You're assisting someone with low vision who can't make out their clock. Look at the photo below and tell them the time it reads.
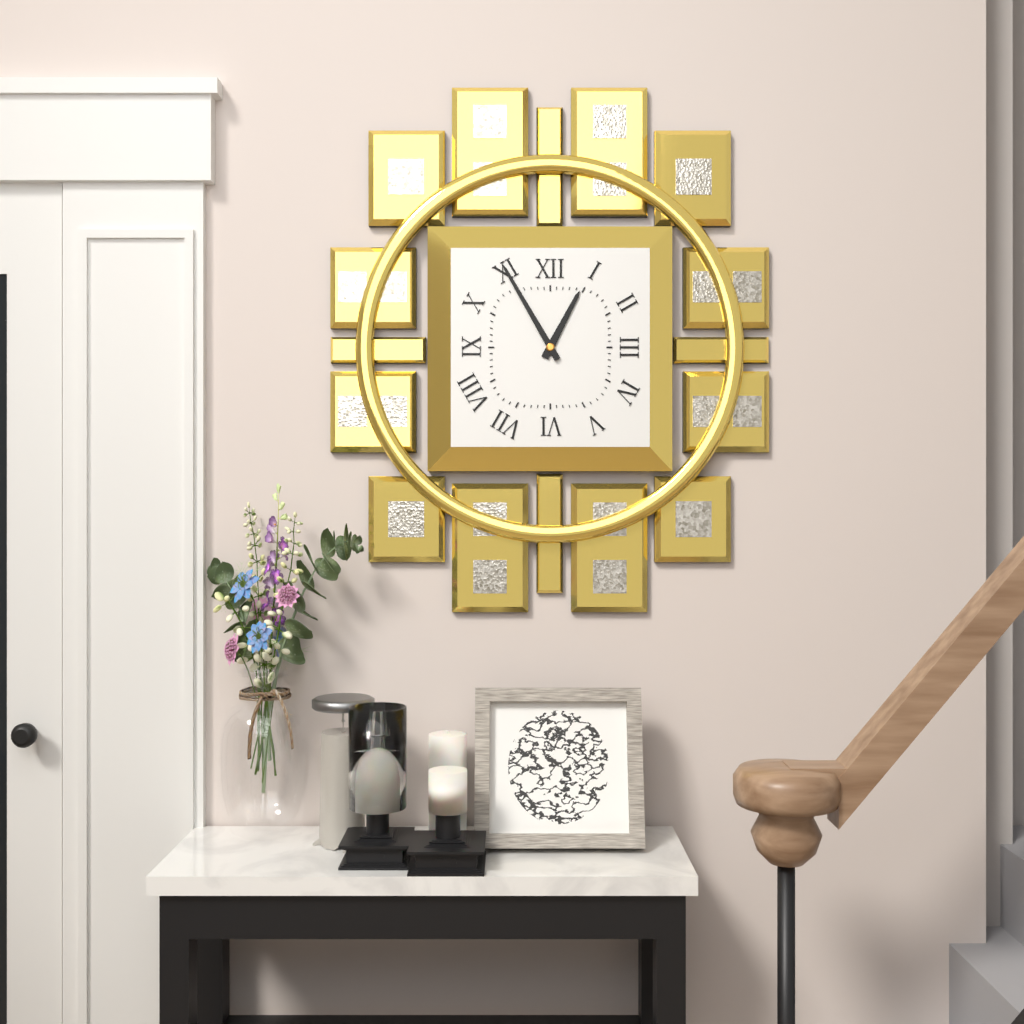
12:55
